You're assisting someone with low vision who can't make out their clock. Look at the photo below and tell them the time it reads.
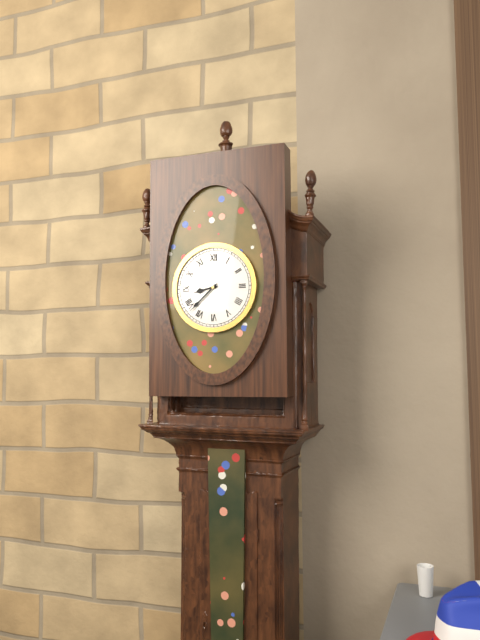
8:38
